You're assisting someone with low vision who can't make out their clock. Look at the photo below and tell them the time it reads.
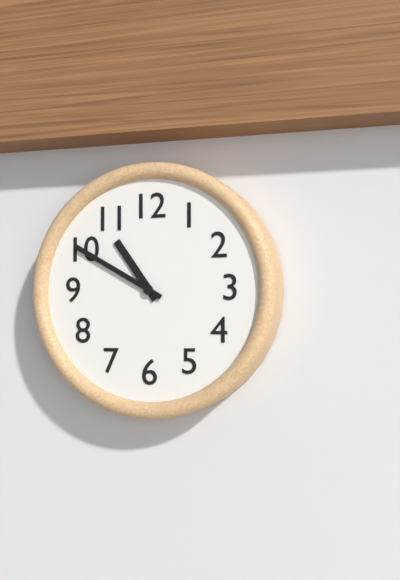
10:50
